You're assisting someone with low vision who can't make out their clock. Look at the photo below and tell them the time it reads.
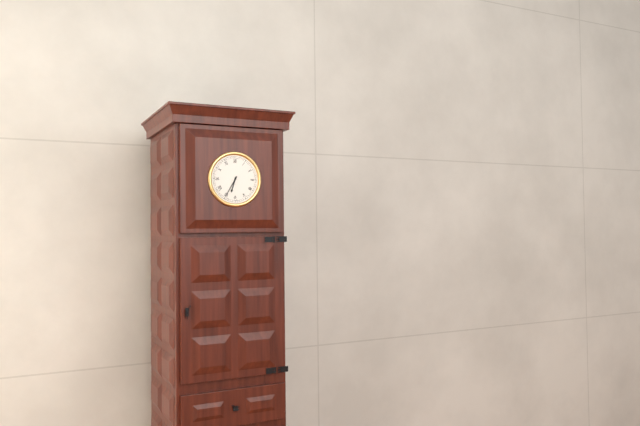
6:35
